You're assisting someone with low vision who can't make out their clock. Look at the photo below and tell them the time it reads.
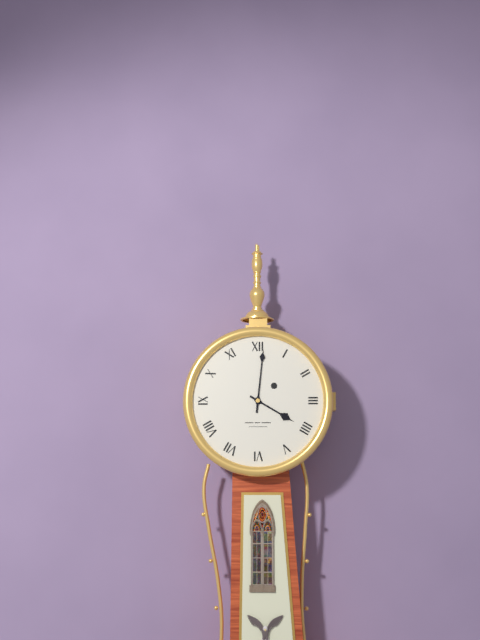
4:01
